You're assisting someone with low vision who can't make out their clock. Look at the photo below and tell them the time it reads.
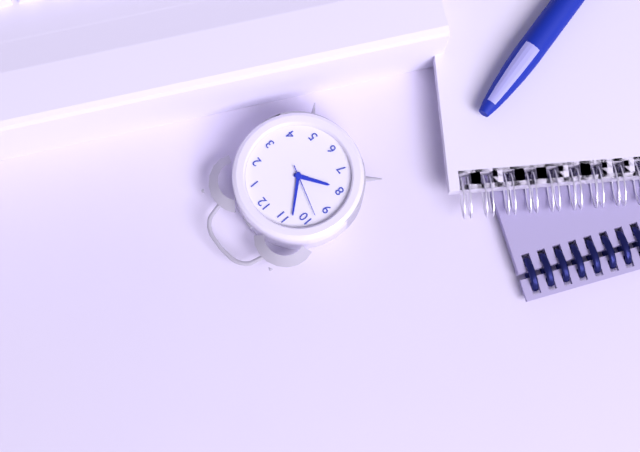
7:53:48
